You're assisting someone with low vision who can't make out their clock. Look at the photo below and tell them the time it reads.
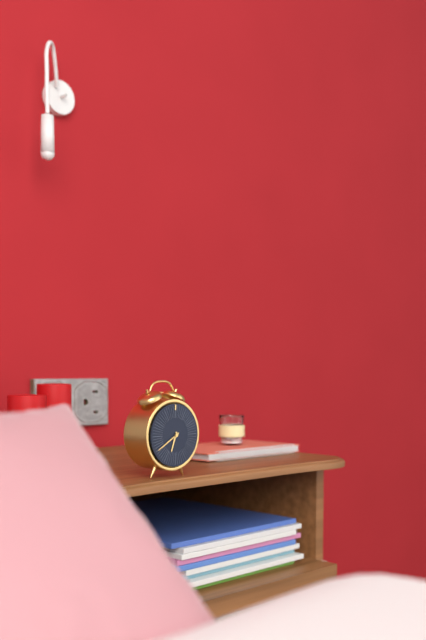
6:40
